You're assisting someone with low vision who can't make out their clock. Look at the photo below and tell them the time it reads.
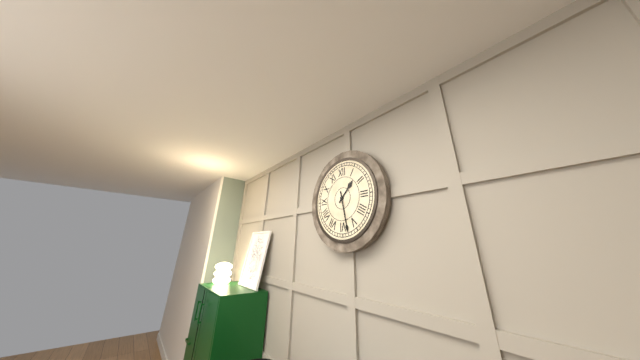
1:28
